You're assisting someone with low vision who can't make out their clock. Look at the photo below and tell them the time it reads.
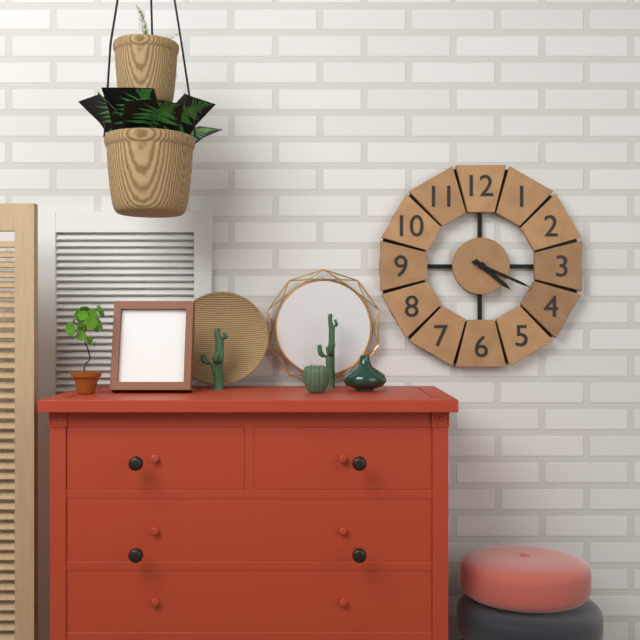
4:19
